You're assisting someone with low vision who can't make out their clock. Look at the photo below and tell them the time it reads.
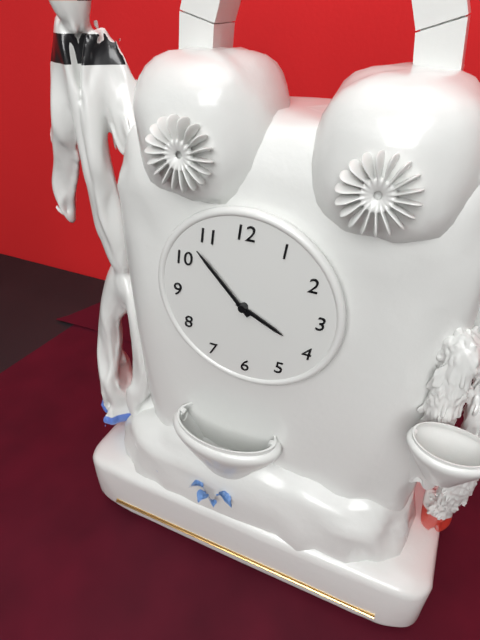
3:53
